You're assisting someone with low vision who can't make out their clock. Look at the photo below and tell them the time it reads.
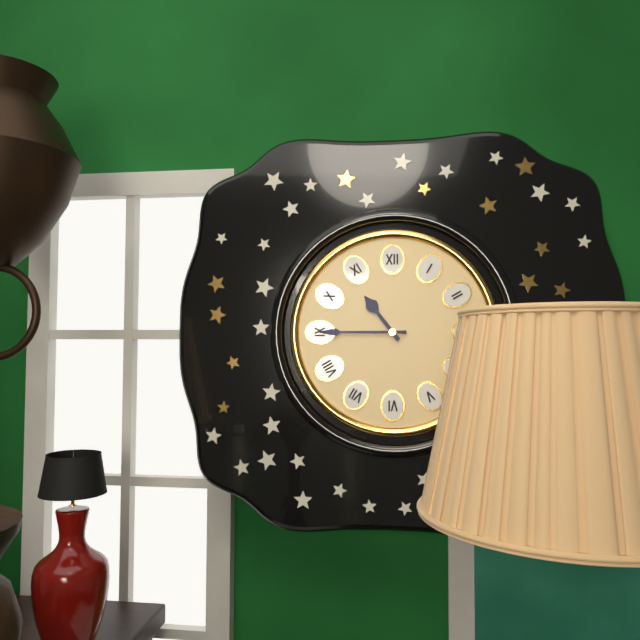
10:45
